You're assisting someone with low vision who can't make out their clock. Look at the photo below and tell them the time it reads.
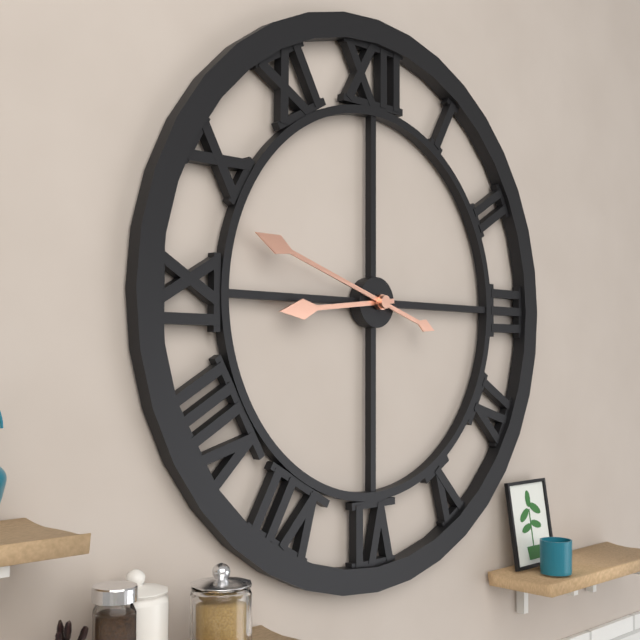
8:48
